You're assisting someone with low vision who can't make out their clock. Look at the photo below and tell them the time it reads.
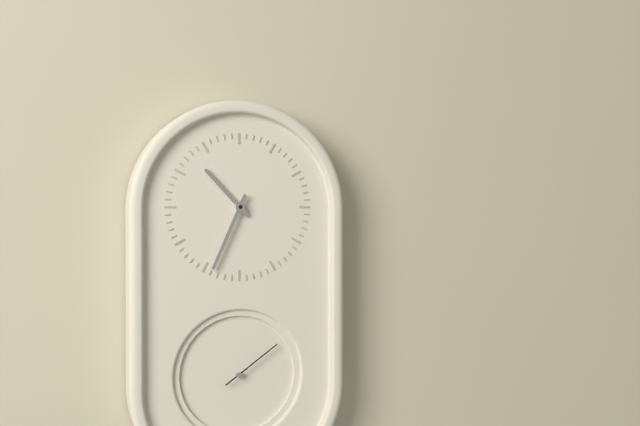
10:34:09
